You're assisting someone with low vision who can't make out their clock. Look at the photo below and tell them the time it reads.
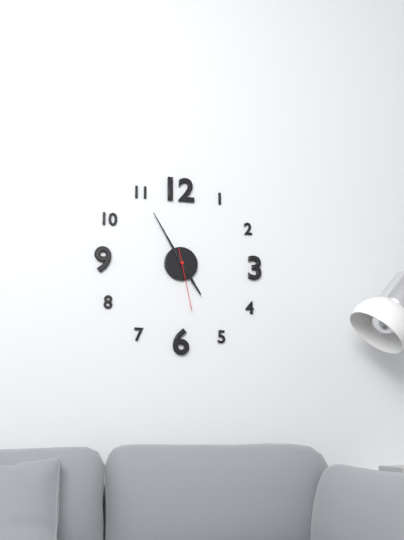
4:55:28
